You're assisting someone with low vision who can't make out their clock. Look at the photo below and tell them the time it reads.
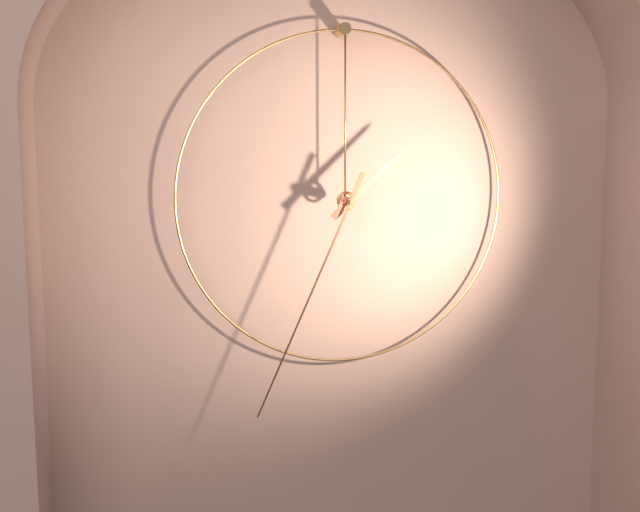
1:34
